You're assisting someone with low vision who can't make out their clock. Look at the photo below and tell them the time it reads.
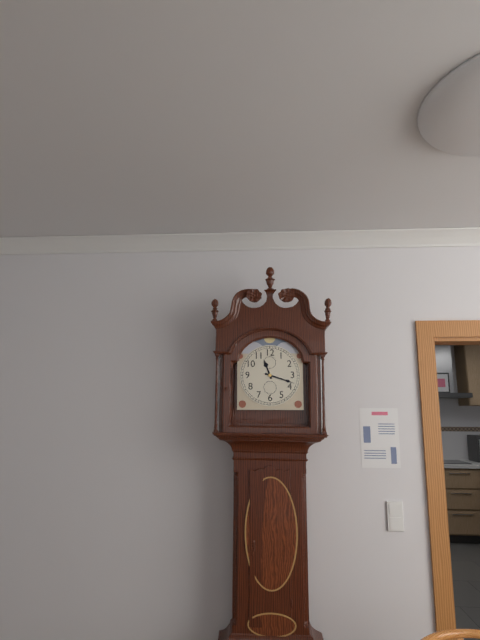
11:18
